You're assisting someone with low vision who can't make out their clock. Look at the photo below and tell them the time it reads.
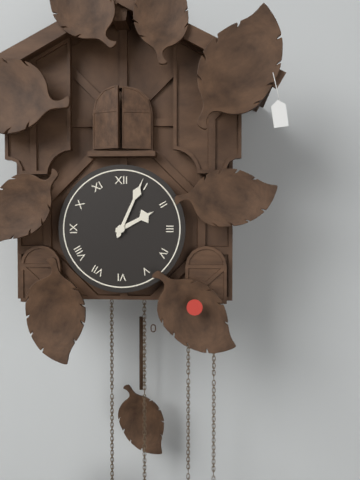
2:04
